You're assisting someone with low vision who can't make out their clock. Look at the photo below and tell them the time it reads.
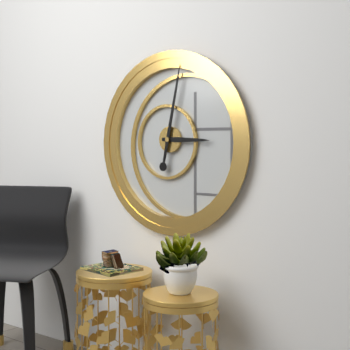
3:02
